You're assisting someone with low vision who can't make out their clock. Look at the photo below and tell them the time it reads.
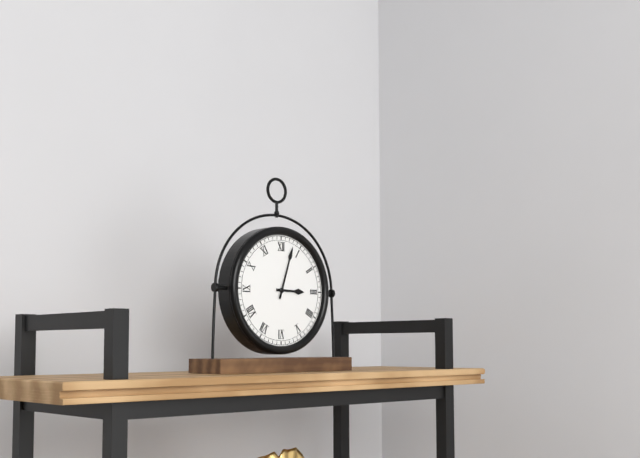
3:03
